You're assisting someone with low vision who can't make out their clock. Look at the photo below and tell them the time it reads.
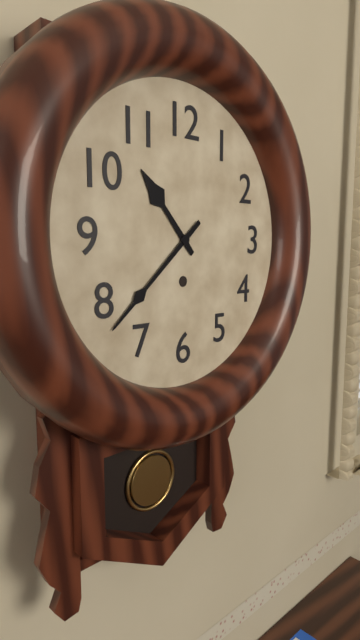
10:38
